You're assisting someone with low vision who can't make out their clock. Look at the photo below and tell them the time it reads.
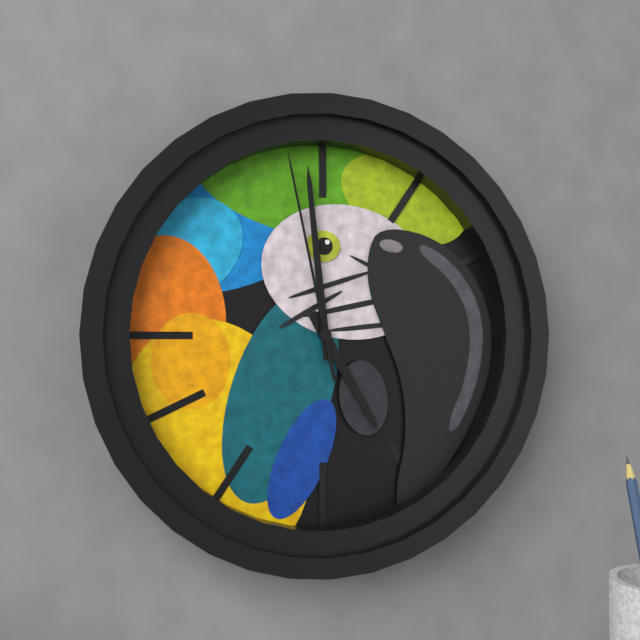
4:59:58
